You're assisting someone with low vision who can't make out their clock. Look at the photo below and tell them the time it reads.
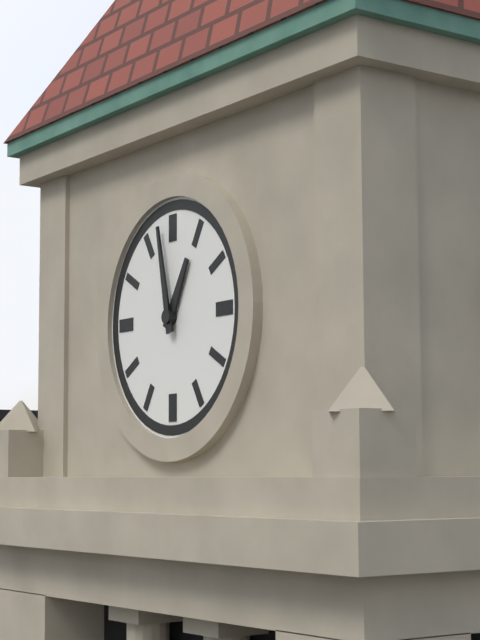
12:58
